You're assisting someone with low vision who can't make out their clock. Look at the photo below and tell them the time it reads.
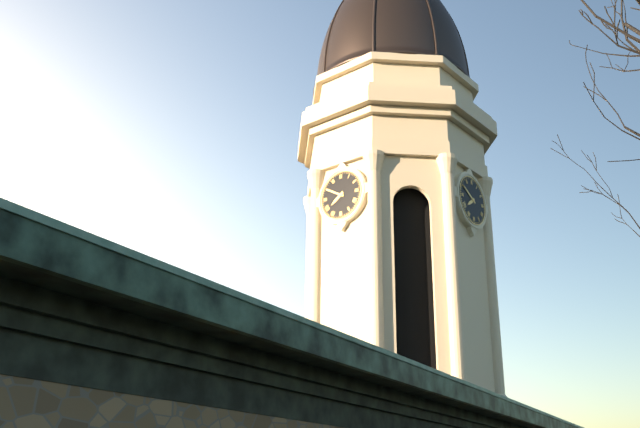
7:50
